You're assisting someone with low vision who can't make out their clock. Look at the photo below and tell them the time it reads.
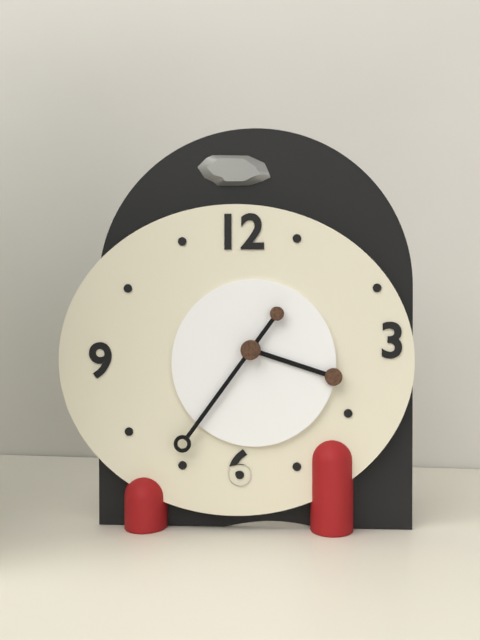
3:36
